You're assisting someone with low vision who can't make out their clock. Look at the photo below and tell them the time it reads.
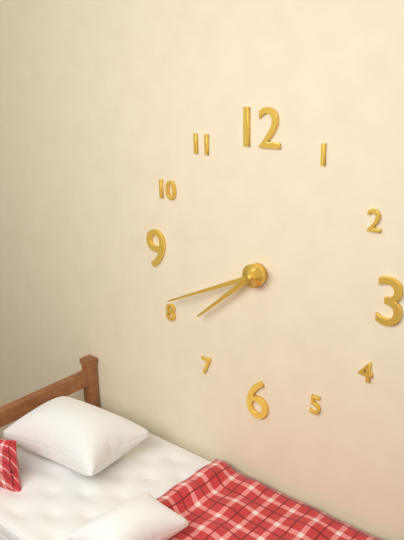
7:41
